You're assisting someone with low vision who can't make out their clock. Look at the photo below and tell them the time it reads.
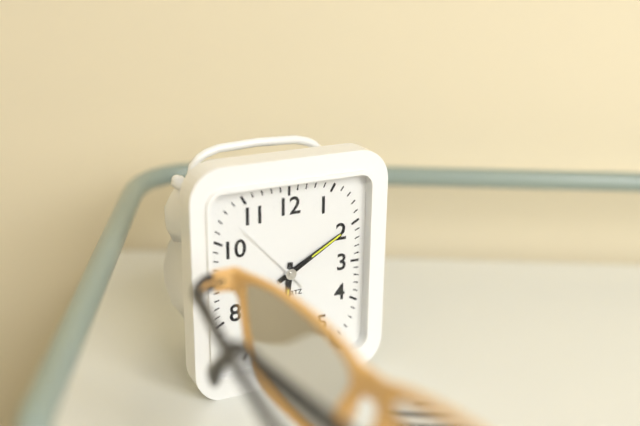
6:10:53
